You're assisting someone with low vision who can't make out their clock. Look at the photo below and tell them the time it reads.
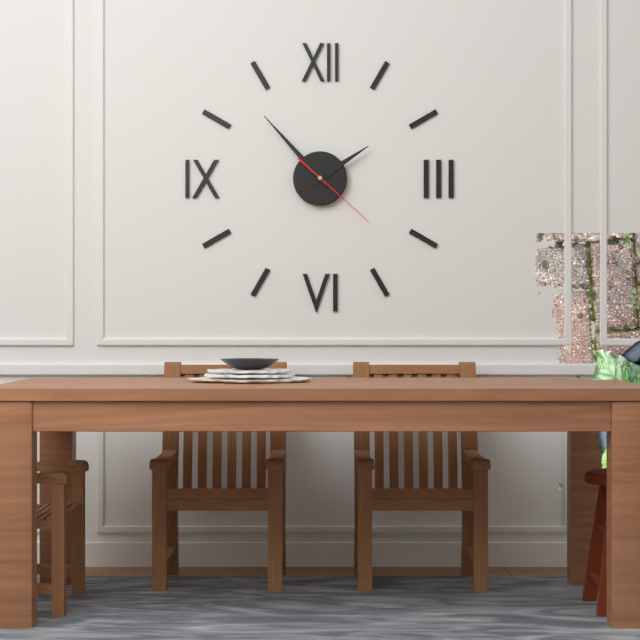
1:53:22
